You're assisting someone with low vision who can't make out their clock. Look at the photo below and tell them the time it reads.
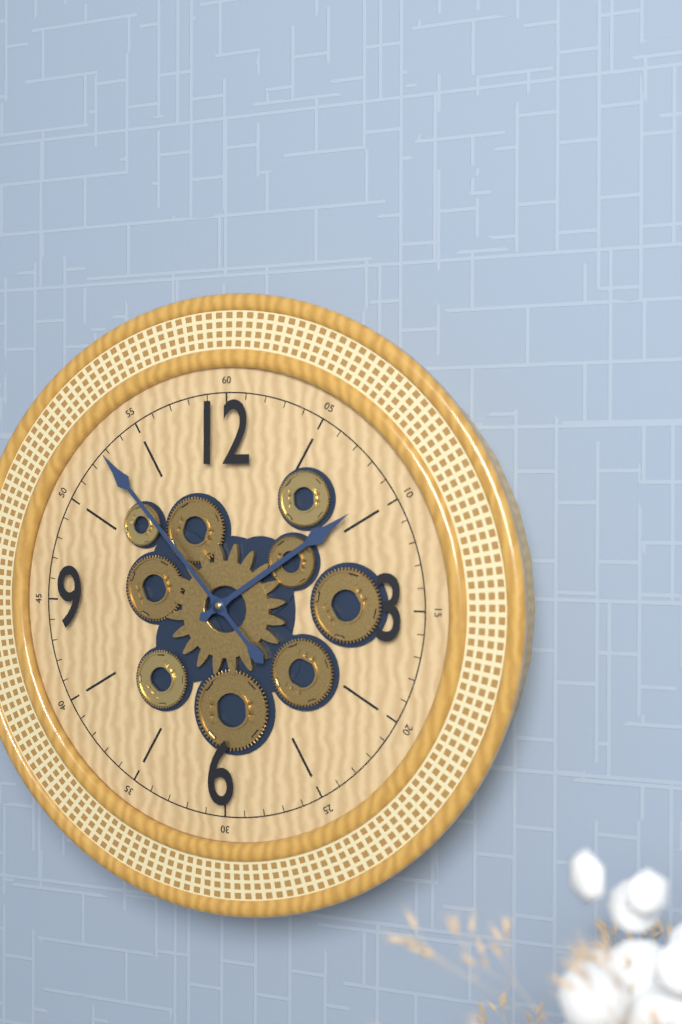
1:53
